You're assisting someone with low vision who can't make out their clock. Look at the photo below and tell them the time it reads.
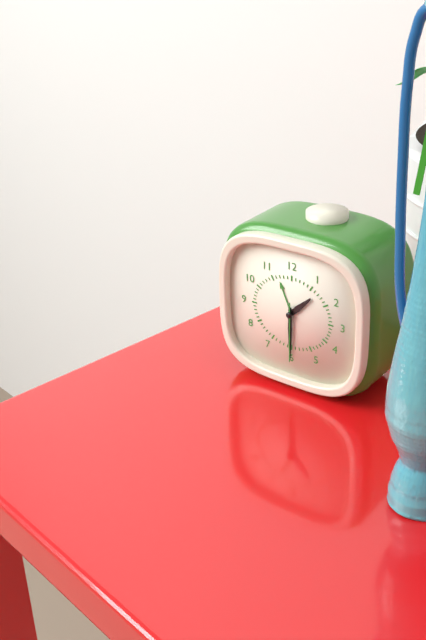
1:30:30
